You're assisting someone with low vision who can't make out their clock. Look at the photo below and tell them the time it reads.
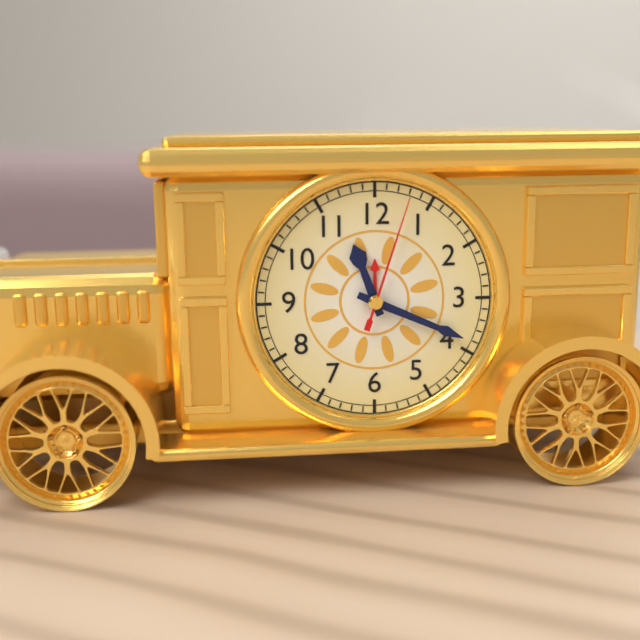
11:19:03
